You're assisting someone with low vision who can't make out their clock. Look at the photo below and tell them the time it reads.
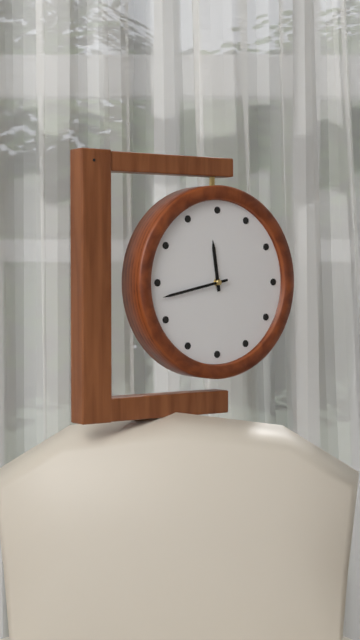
11:43
